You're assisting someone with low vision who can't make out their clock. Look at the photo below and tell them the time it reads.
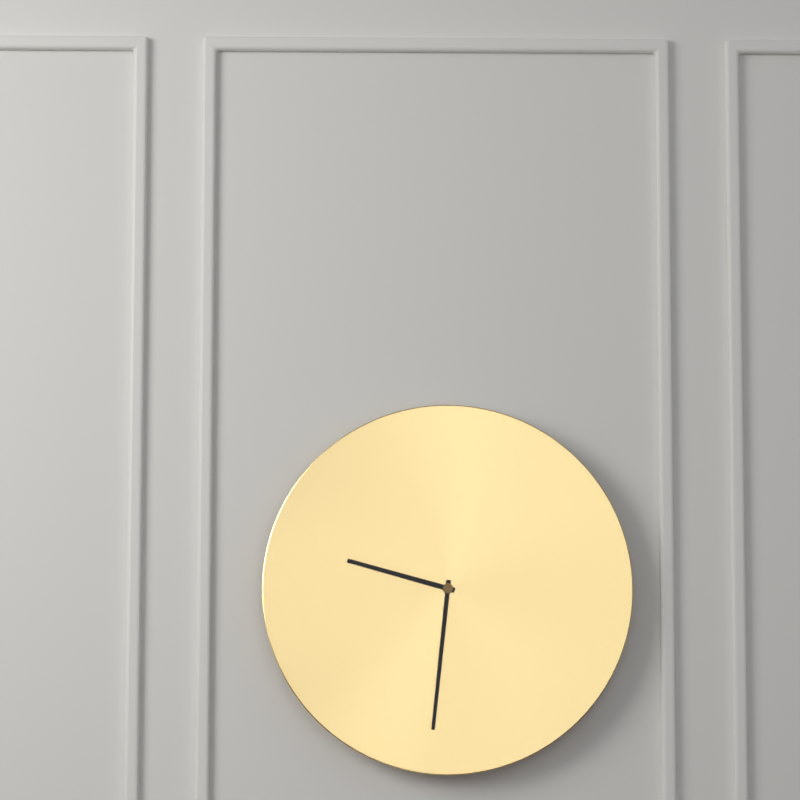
9:31
